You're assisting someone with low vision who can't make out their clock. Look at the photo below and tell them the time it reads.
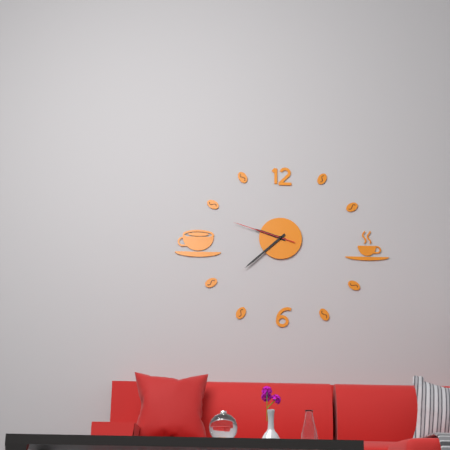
9:38:48
